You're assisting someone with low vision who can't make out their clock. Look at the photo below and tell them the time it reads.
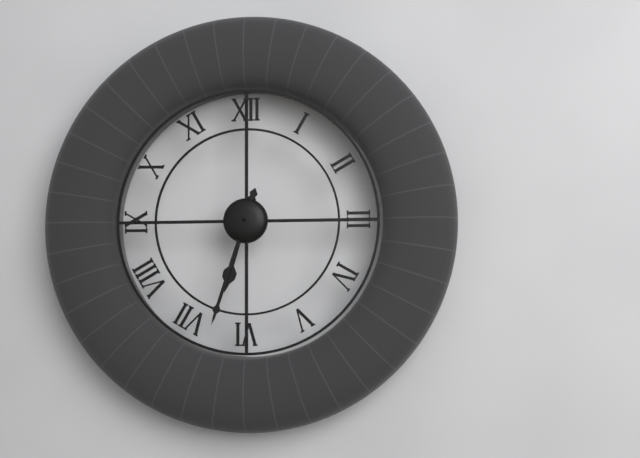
6:33
